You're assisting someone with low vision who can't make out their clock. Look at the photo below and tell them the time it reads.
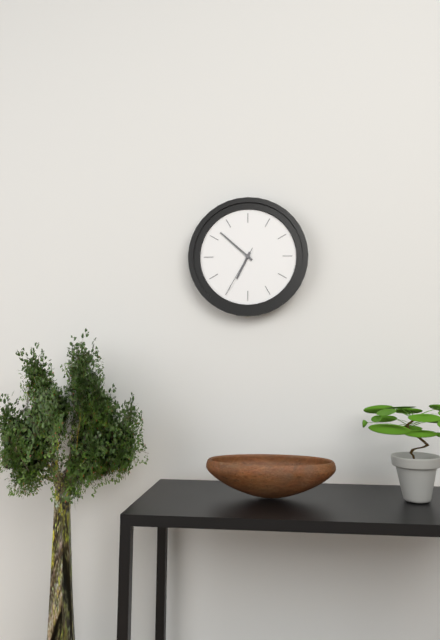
6:52:35
